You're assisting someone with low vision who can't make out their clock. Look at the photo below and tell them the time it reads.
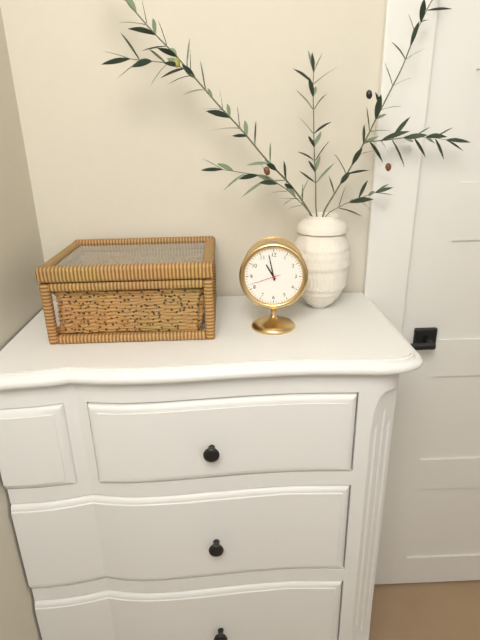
10:58
